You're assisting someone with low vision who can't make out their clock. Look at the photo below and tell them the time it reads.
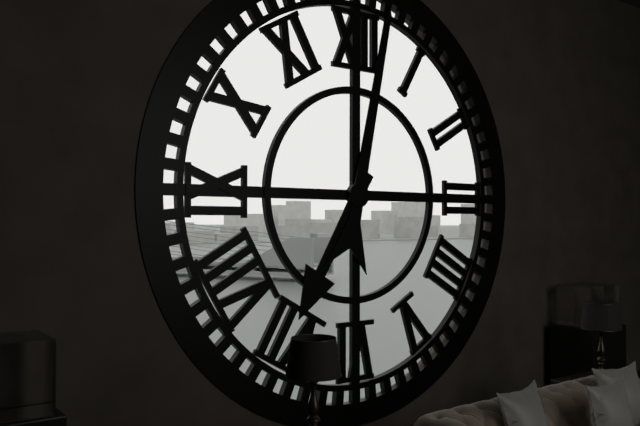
7:02
